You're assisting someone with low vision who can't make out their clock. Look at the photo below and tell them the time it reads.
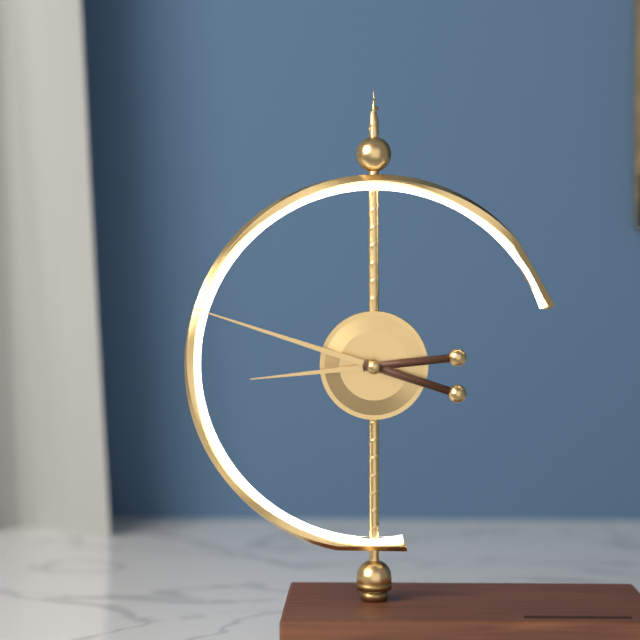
8:48
